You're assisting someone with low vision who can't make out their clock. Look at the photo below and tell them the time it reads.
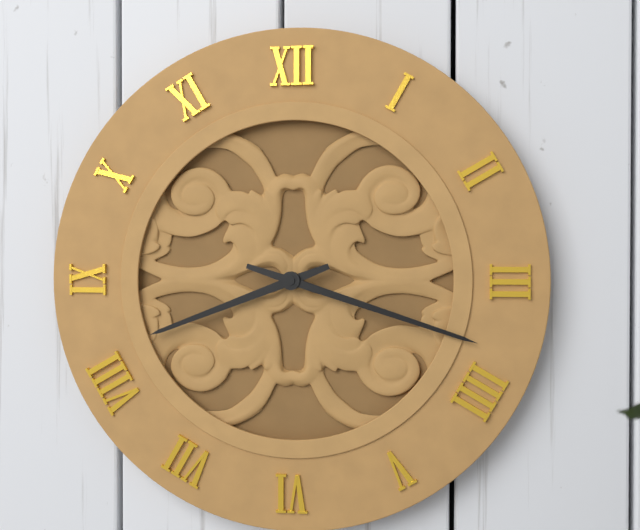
8:18
